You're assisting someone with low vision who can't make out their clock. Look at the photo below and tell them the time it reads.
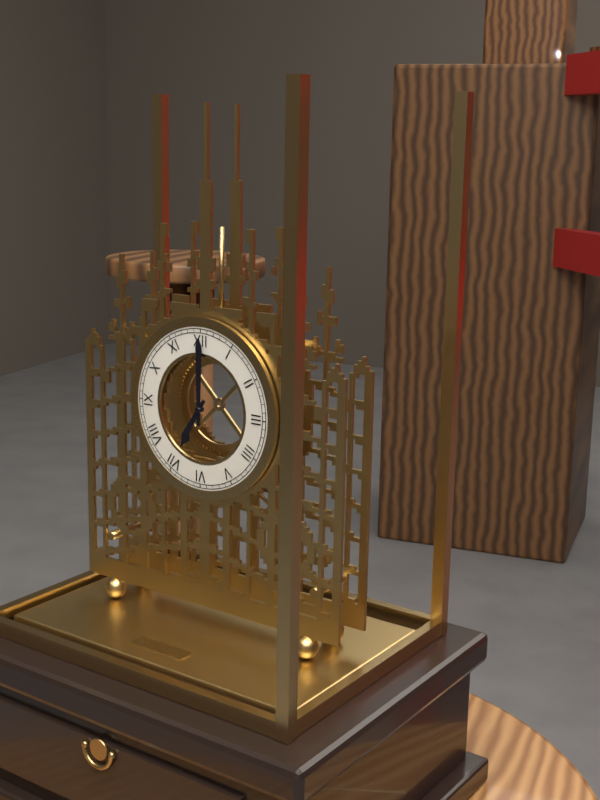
7:00
